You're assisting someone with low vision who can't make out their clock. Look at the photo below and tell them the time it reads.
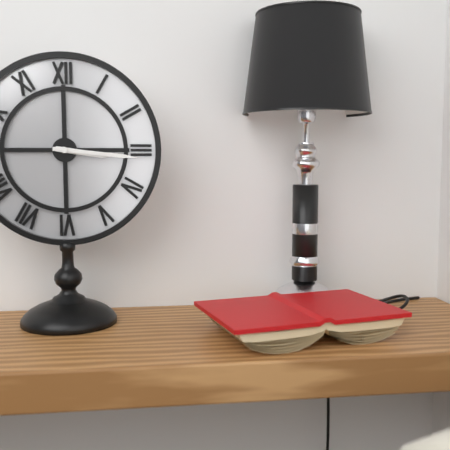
3:16
